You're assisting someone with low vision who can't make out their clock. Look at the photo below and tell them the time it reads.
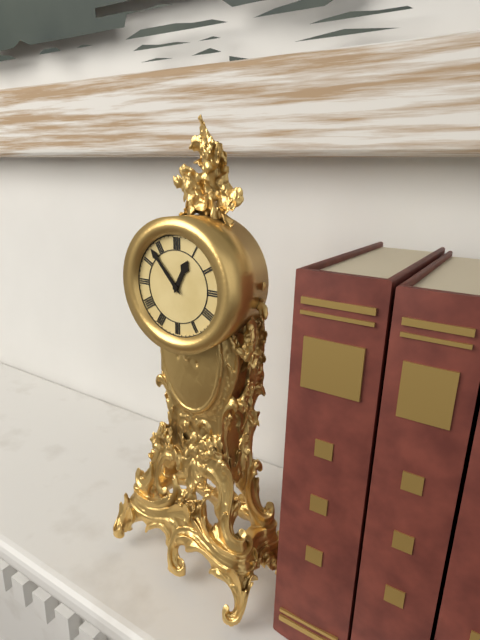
12:53
